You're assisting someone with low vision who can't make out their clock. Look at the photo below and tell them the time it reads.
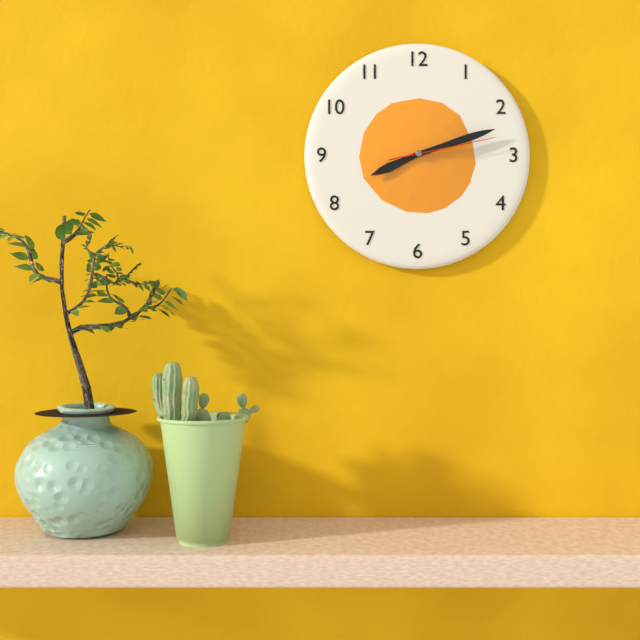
8:12:13
